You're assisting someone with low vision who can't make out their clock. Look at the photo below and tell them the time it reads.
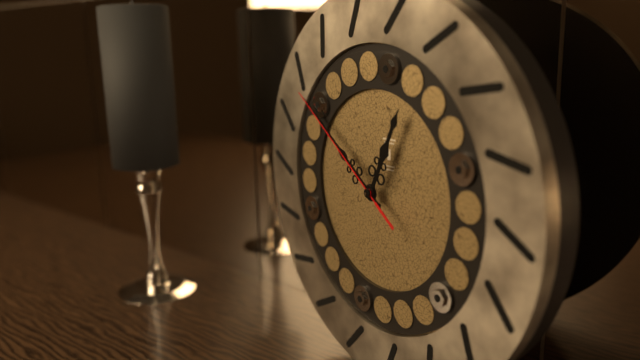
12:51:51
